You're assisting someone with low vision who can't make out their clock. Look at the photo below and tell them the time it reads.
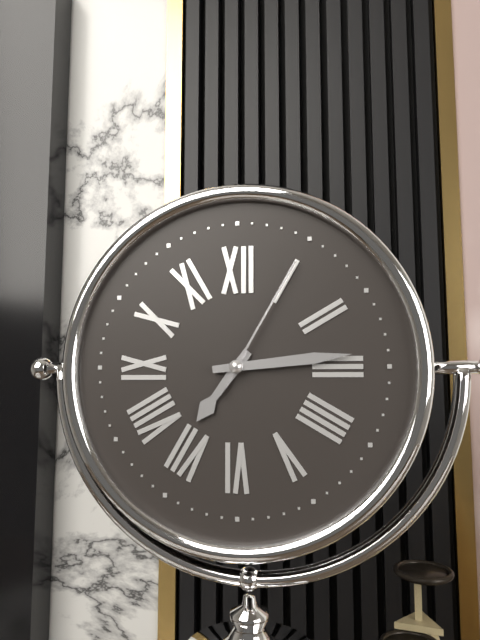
7:14:05
